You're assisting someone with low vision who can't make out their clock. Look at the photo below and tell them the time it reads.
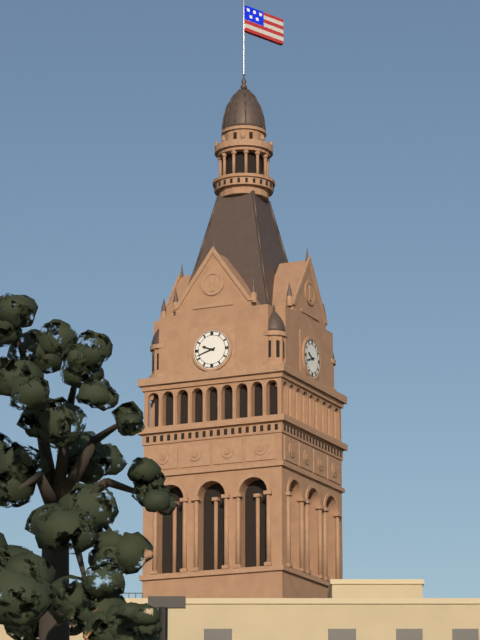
9:42
